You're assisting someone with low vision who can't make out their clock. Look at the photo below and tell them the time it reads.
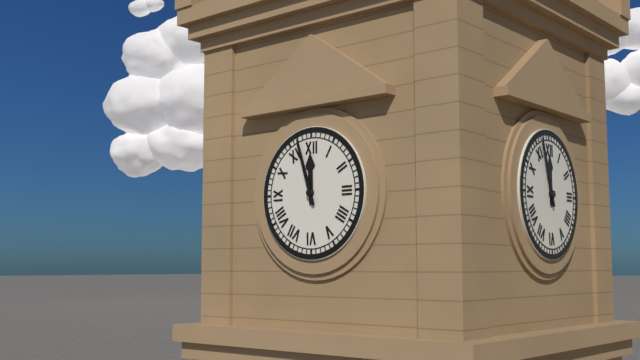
11:57
